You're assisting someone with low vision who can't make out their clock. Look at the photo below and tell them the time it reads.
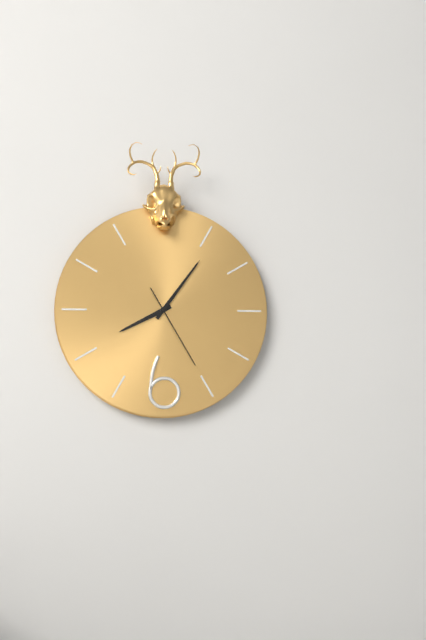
8:06:25
